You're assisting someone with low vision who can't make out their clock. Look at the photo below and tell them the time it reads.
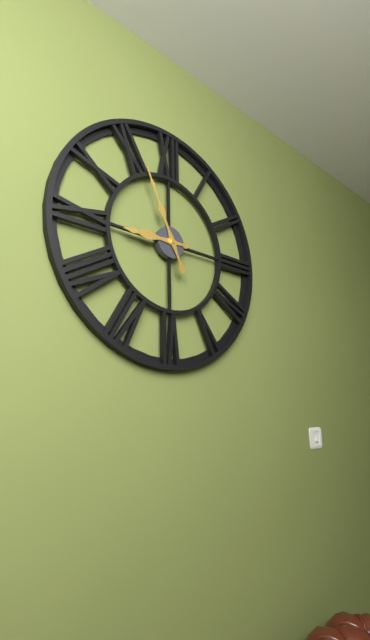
8:56
